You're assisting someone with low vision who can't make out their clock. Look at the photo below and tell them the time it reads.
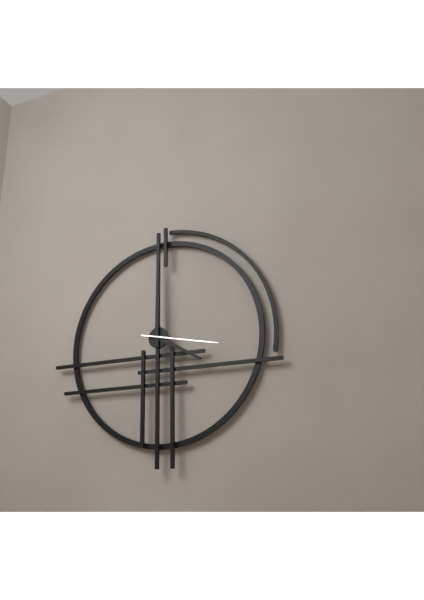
4:00:17
